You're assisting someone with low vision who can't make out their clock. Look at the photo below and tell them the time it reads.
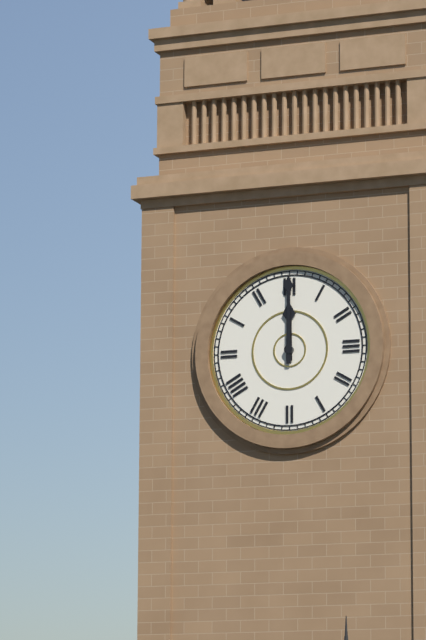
12:00
